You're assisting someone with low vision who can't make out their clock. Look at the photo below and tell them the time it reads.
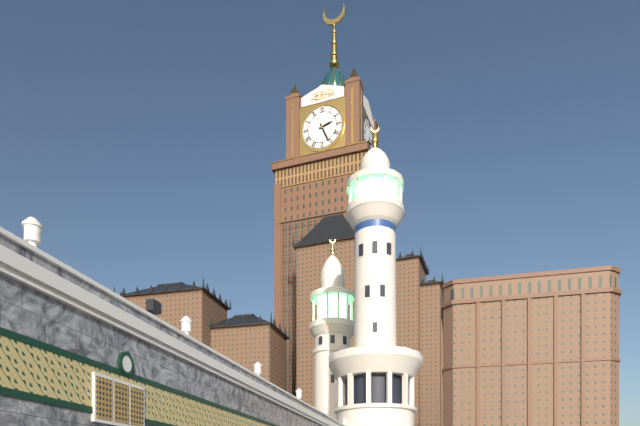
2:26
